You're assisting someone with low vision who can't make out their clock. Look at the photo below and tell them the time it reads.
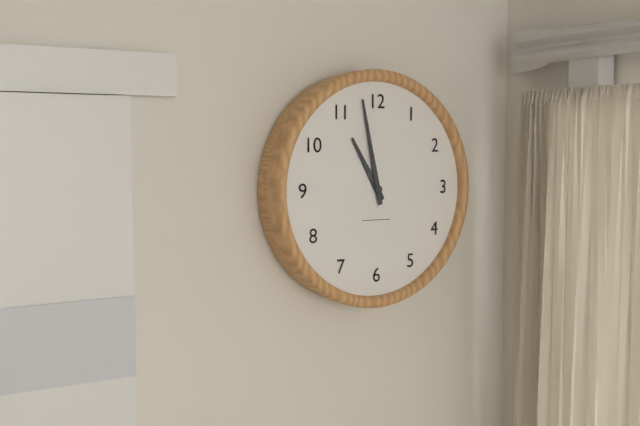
10:58
